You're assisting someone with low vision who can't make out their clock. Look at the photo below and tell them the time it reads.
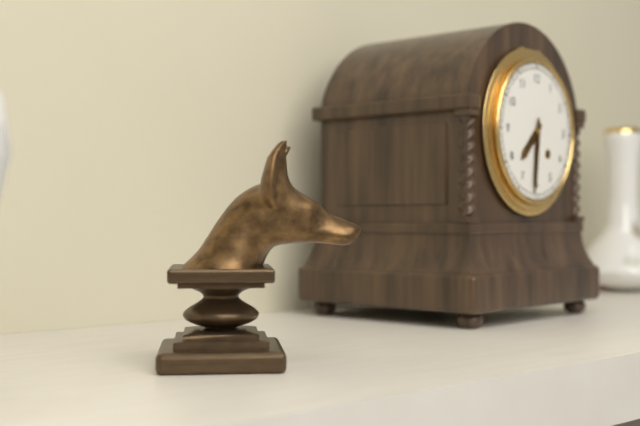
7:31
